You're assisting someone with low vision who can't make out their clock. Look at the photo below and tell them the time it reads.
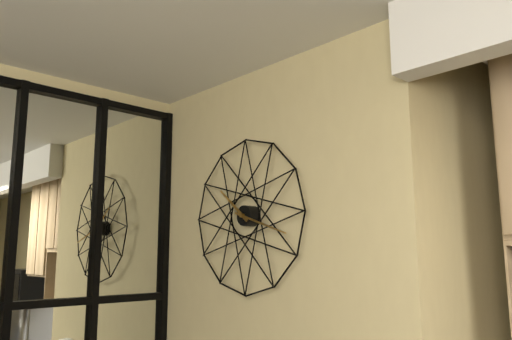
10:18
